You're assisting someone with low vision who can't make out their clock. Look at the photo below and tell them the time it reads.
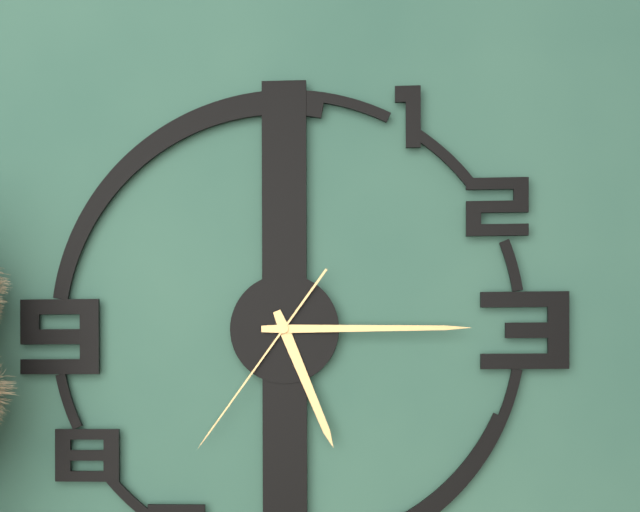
5:15:36
